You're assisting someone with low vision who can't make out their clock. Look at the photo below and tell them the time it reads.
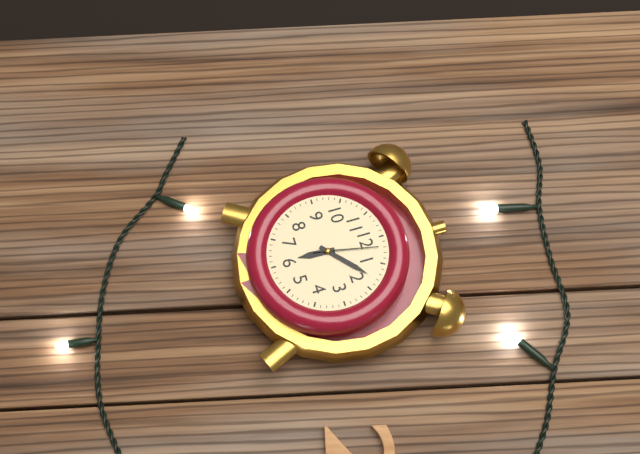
6:08:02
